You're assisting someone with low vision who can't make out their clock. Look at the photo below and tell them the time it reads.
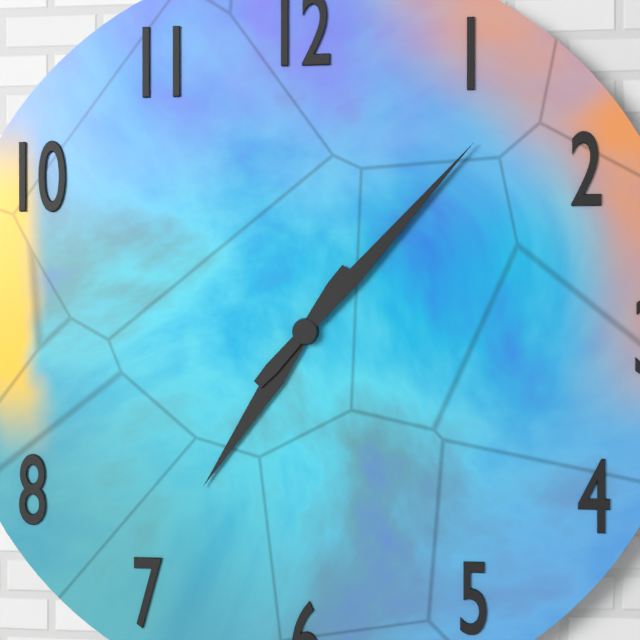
7:07
